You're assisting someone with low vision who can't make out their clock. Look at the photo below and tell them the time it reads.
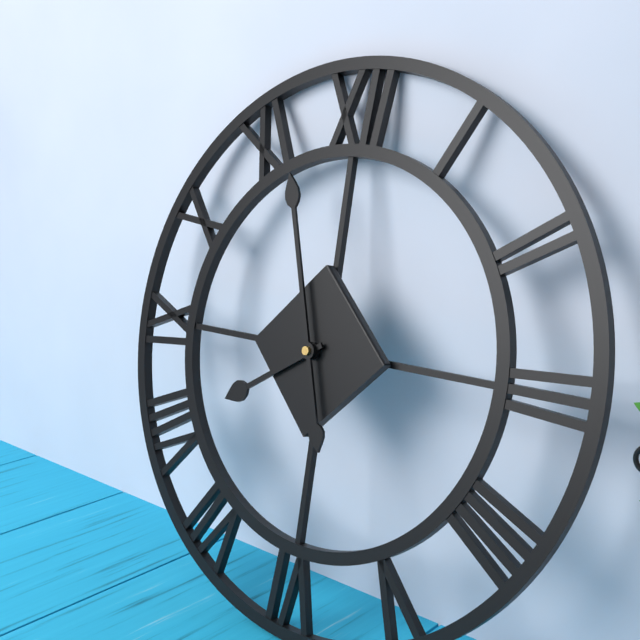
7:57
